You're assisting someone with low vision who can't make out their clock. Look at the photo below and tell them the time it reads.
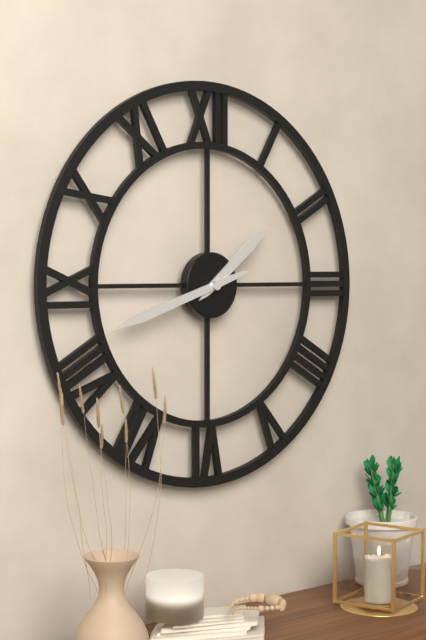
1:42
